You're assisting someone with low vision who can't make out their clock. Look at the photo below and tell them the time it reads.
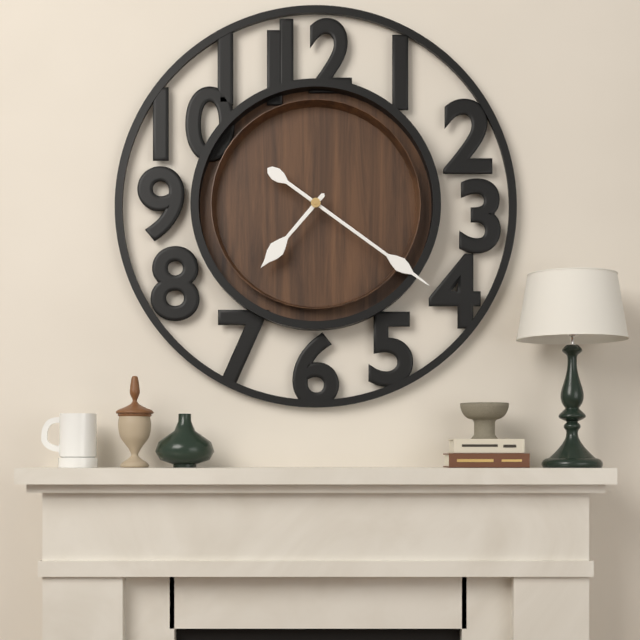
7:21
